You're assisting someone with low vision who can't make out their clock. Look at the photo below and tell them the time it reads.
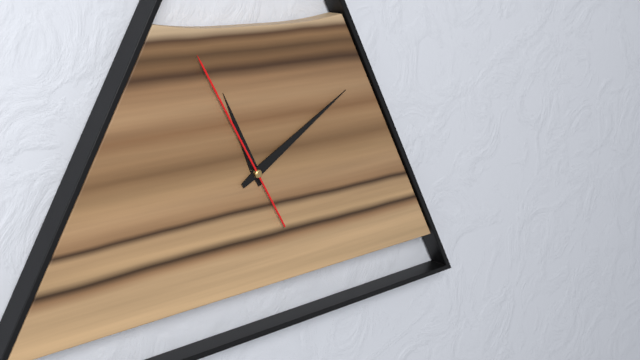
11:10:55
